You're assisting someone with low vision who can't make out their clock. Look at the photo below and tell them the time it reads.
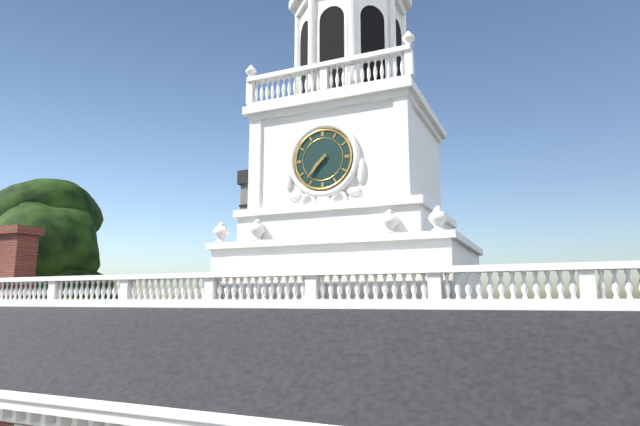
7:37
